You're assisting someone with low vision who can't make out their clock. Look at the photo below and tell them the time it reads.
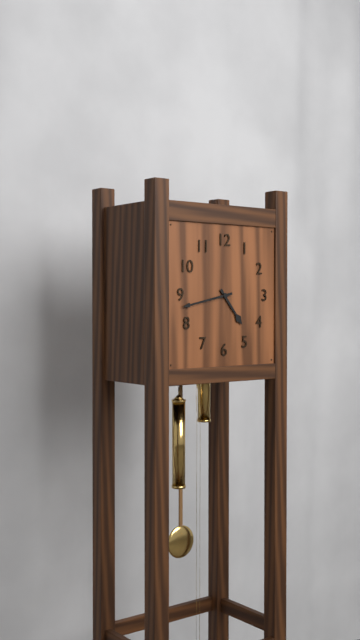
4:43
